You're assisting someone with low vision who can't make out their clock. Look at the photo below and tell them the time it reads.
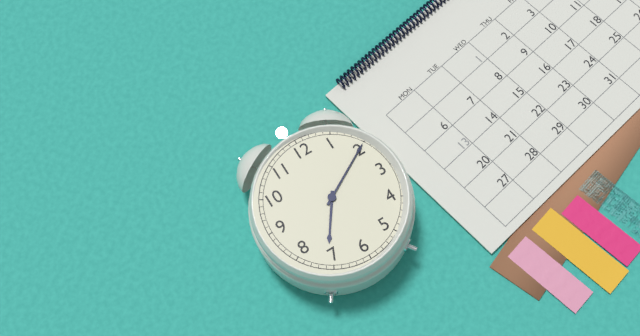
7:10
